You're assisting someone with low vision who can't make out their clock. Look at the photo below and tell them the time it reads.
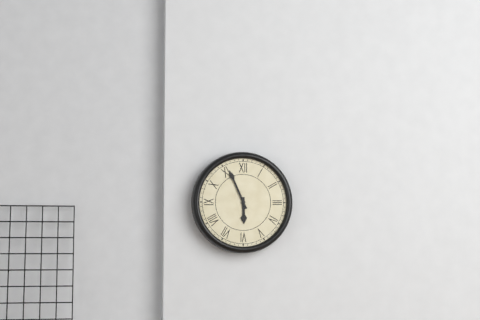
5:56
